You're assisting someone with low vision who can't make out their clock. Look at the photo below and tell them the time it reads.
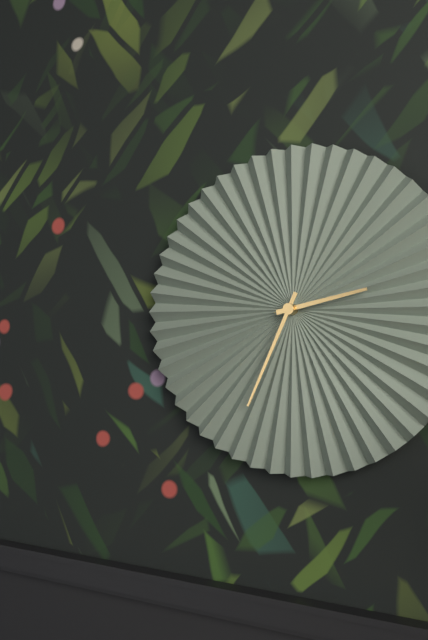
2:34
